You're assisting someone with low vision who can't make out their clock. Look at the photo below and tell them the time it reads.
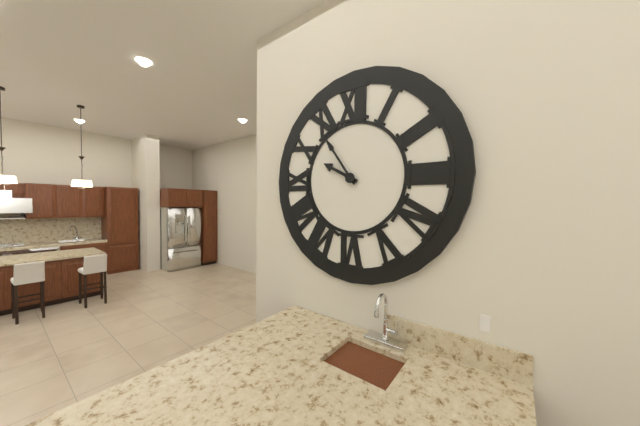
9:54
